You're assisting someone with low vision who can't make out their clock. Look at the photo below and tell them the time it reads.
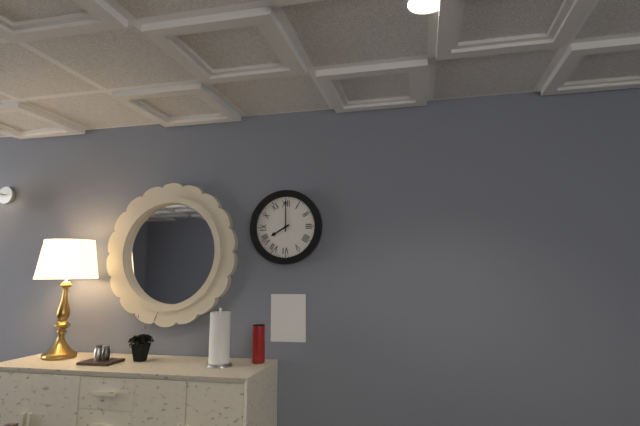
8:00
